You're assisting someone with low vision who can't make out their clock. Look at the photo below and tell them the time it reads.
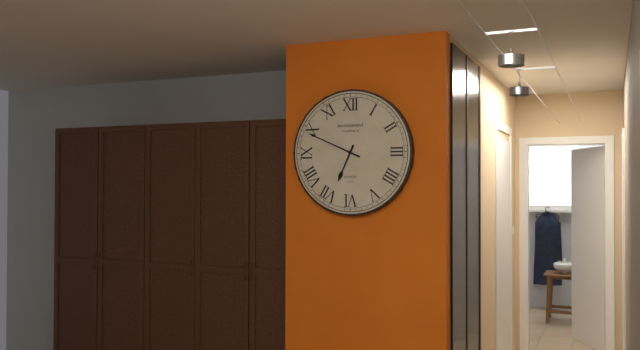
6:49
